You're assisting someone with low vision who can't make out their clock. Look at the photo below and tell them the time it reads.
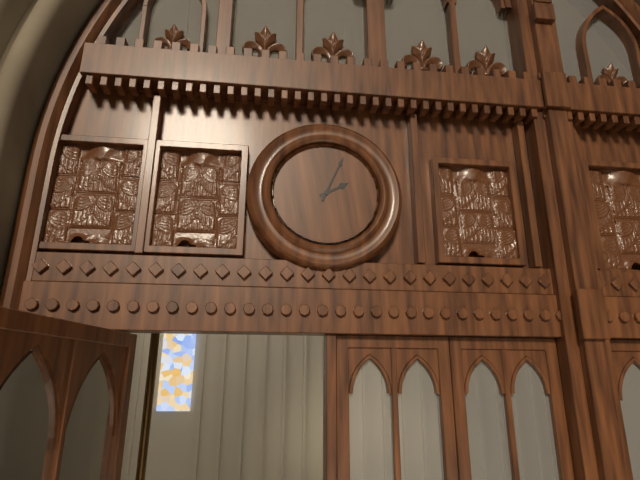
2:04
